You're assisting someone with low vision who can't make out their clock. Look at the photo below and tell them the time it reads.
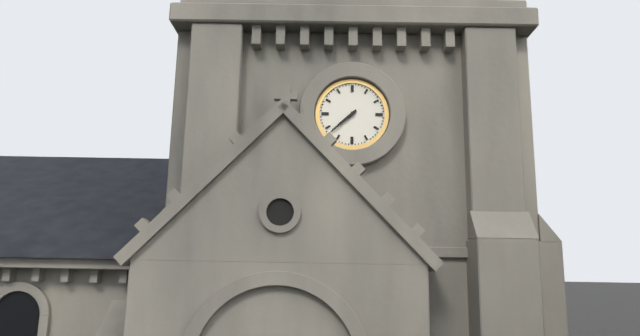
7:38
